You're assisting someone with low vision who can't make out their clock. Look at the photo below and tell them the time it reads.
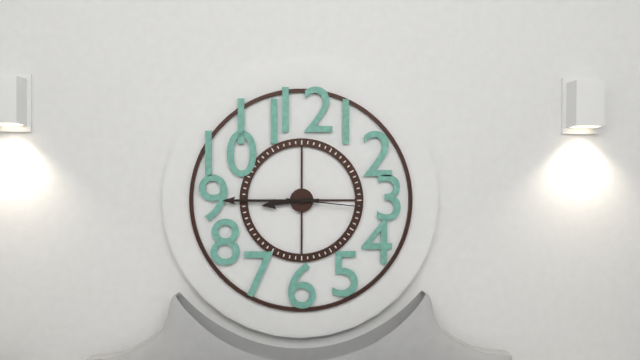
8:45:16
